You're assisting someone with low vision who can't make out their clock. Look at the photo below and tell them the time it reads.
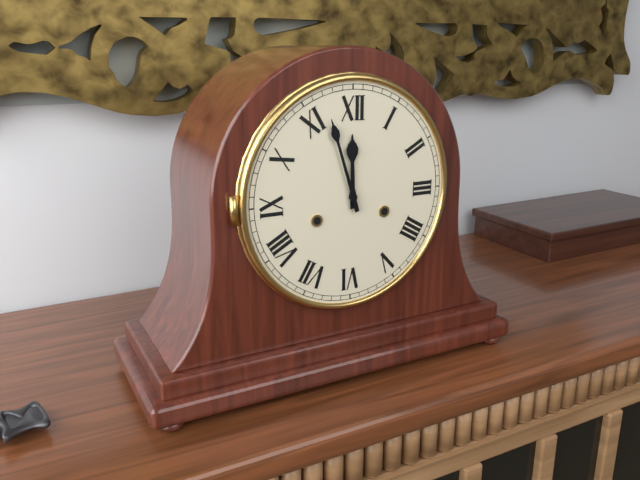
11:57
